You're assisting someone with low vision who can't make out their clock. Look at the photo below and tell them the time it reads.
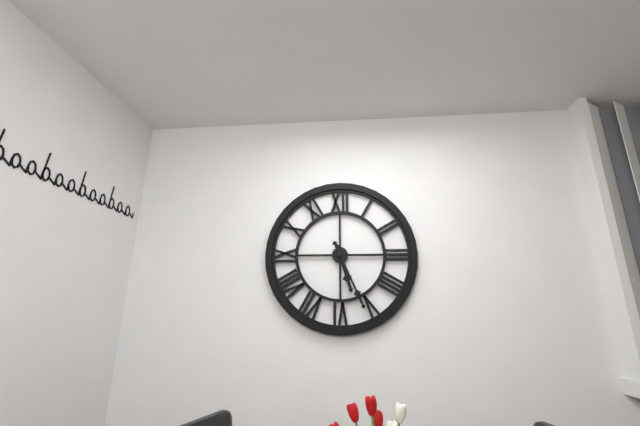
5:26
